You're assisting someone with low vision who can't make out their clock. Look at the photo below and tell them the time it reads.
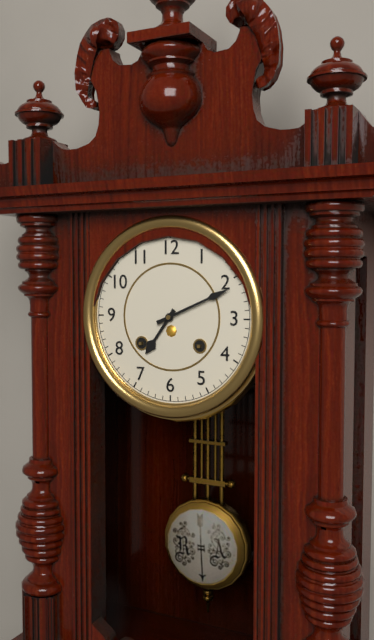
7:11
